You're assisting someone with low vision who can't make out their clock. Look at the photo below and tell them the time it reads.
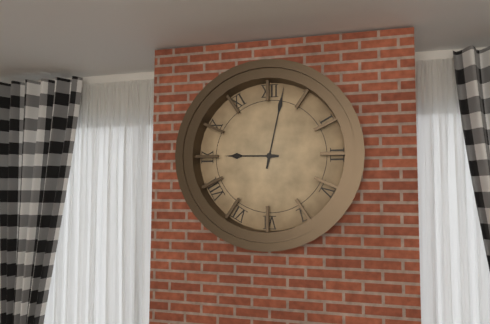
9:02
